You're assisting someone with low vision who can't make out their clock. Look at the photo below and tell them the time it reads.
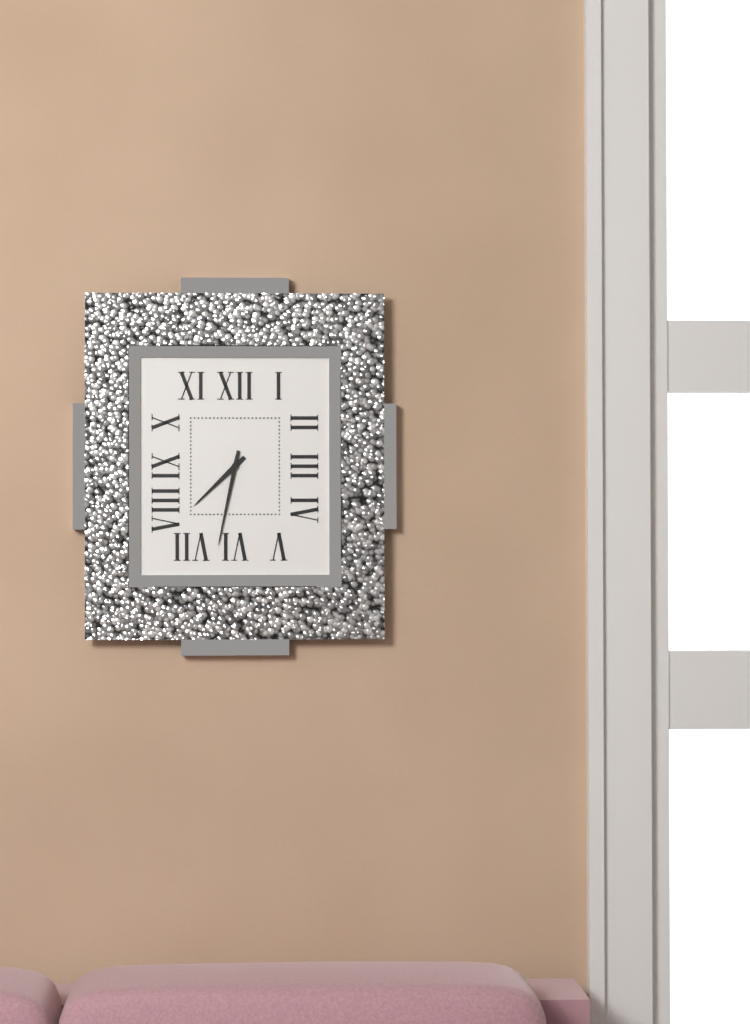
7:32
